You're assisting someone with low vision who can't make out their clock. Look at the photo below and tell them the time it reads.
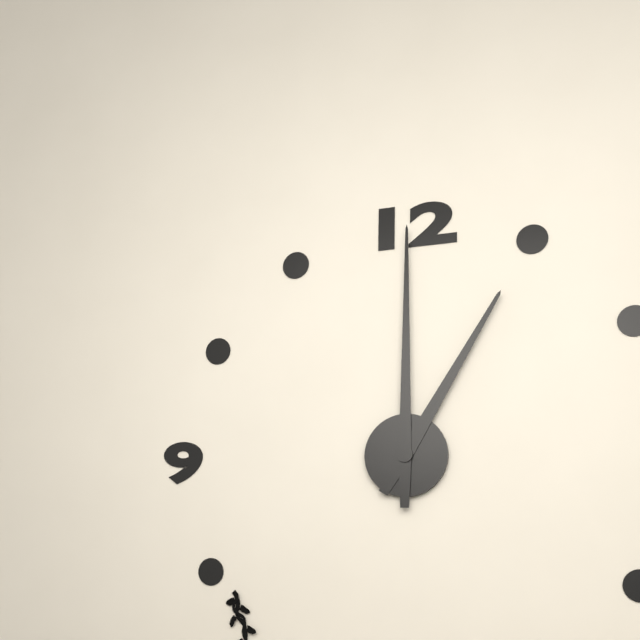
1:00
